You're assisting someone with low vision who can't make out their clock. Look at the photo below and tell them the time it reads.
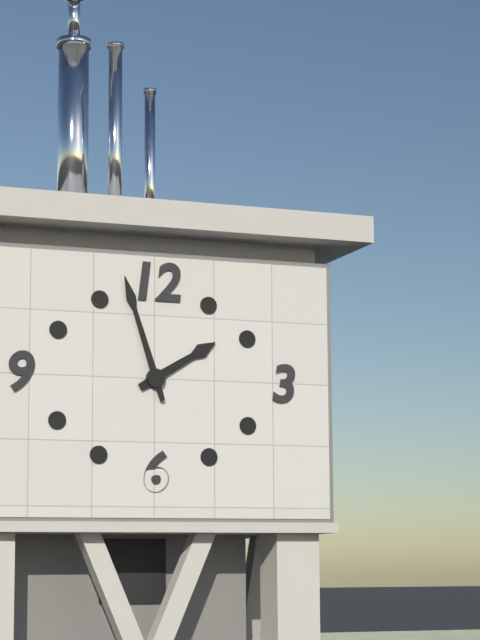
1:57
